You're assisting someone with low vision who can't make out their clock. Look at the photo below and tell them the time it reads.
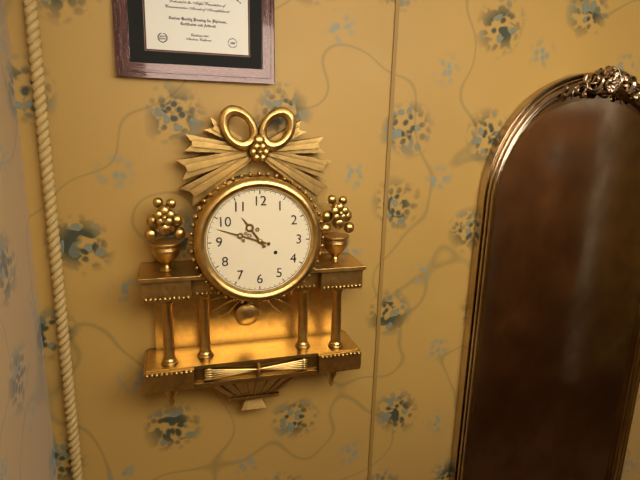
10:48
